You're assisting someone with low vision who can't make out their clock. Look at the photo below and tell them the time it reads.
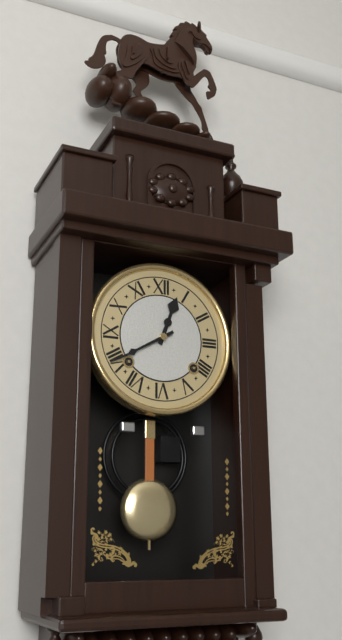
12:40
